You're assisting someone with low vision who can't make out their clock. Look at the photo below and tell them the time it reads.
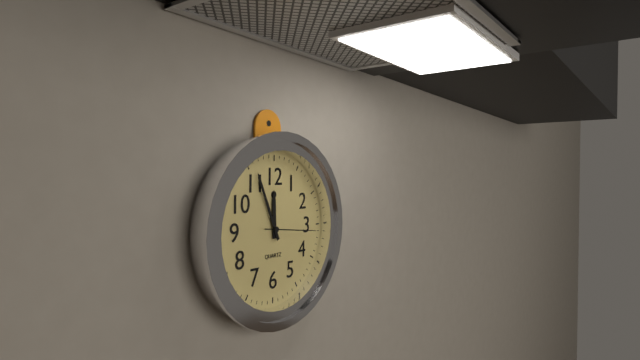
11:56
